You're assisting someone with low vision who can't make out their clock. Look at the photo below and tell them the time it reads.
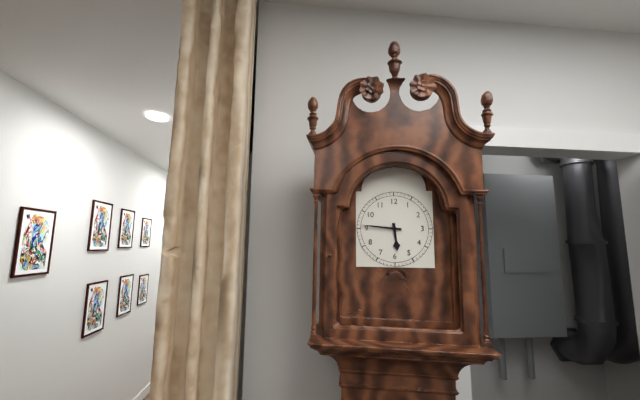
5:46
